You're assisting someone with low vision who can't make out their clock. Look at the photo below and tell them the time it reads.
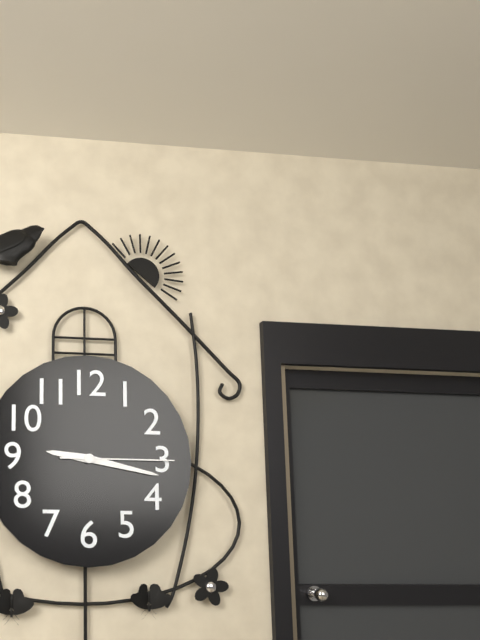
9:17:15
